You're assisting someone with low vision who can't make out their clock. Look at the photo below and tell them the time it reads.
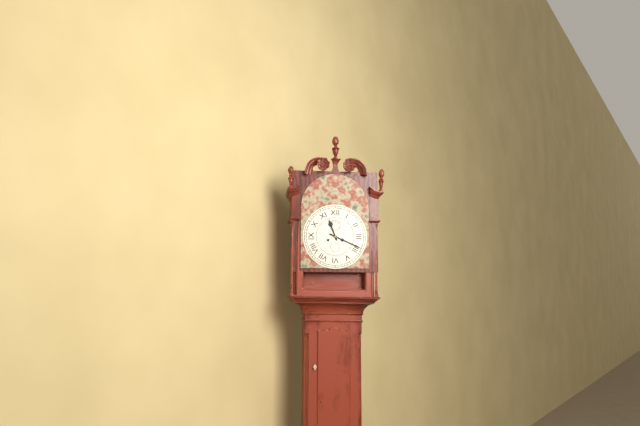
11:19
